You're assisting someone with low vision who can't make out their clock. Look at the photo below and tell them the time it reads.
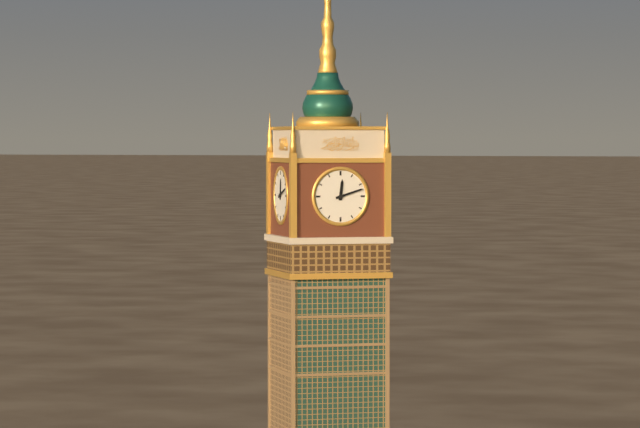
12:12
